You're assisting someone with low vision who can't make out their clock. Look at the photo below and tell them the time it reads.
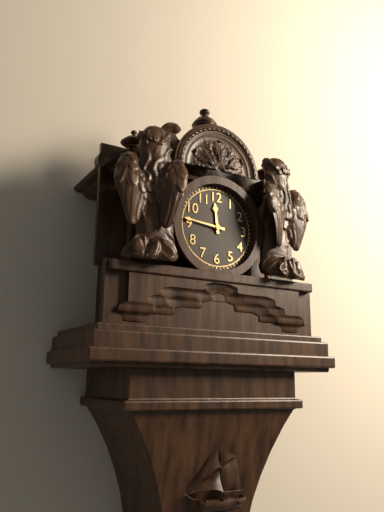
11:46
